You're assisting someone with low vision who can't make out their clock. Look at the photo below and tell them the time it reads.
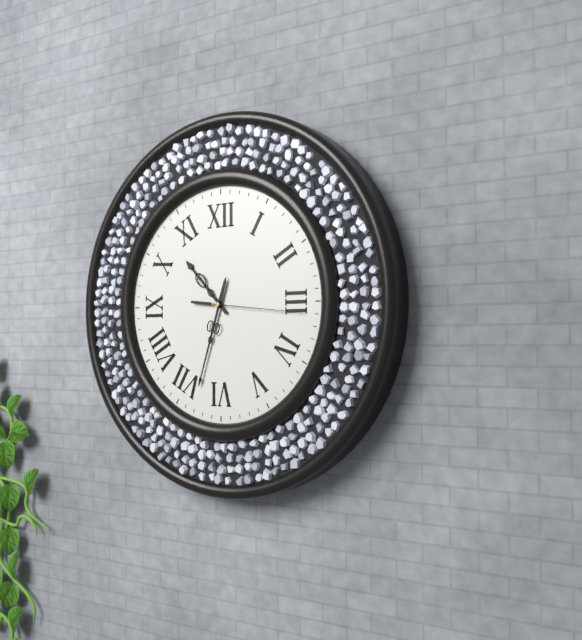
10:33:16
